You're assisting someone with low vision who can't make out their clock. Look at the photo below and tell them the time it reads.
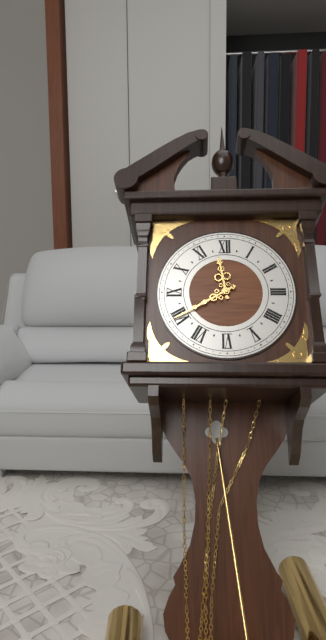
11:40
